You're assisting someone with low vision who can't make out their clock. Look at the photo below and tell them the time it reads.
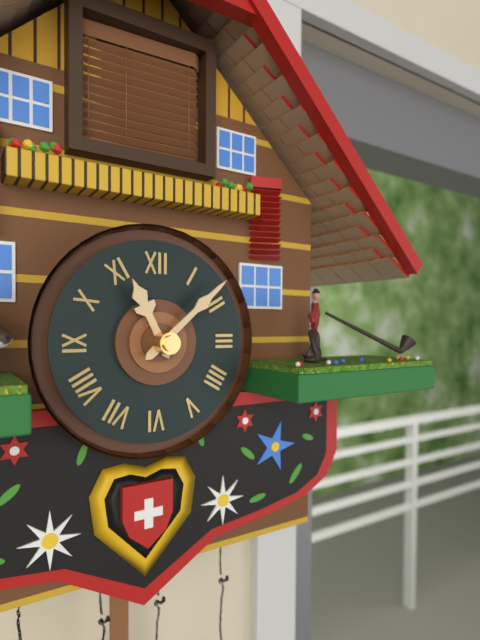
11:08
